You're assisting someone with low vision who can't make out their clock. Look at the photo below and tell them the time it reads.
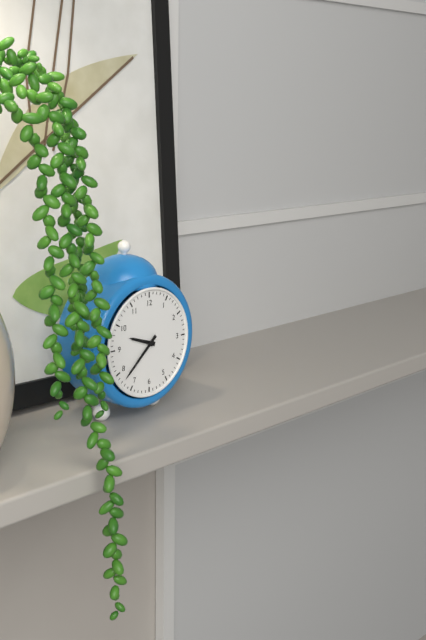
9:38
